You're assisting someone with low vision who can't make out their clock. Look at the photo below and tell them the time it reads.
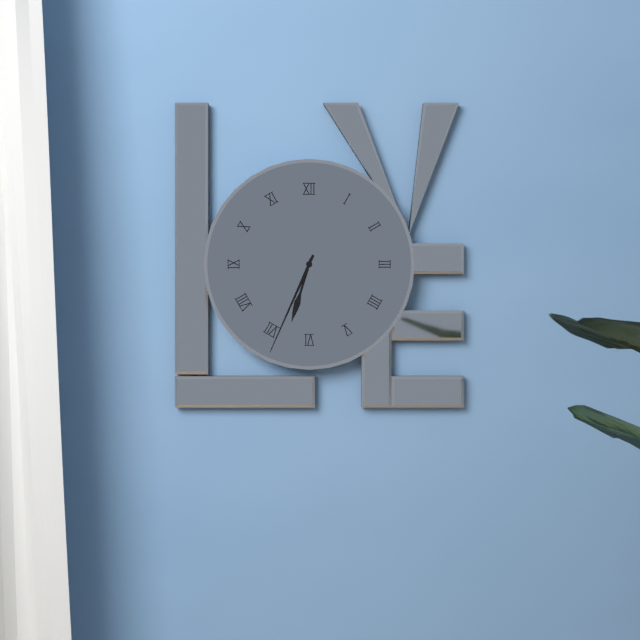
6:34
